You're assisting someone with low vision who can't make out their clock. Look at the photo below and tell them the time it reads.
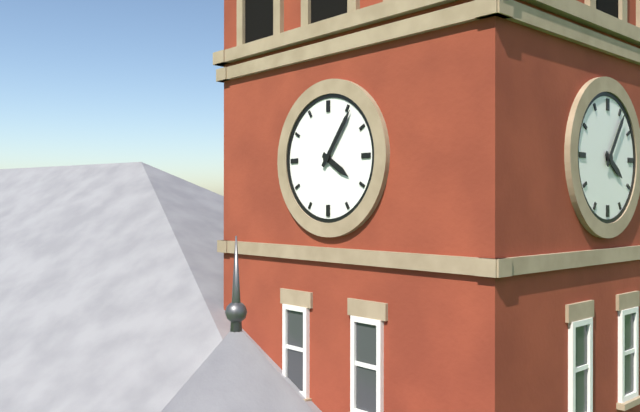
4:06
